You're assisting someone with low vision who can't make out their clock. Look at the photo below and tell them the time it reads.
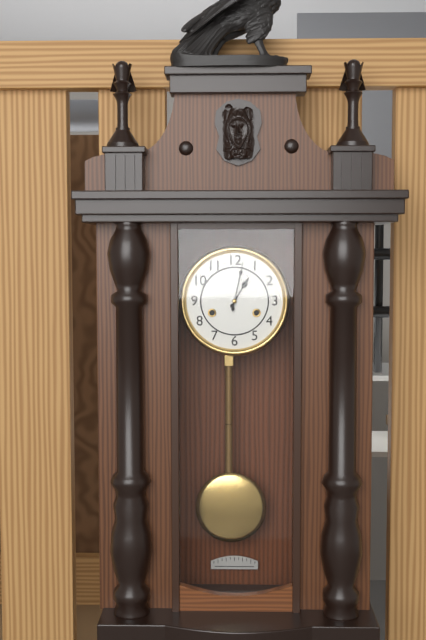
1:02
